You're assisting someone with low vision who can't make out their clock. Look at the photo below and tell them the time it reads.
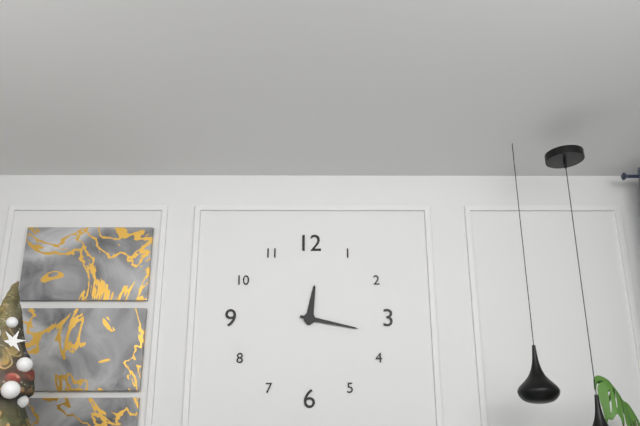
12:17
